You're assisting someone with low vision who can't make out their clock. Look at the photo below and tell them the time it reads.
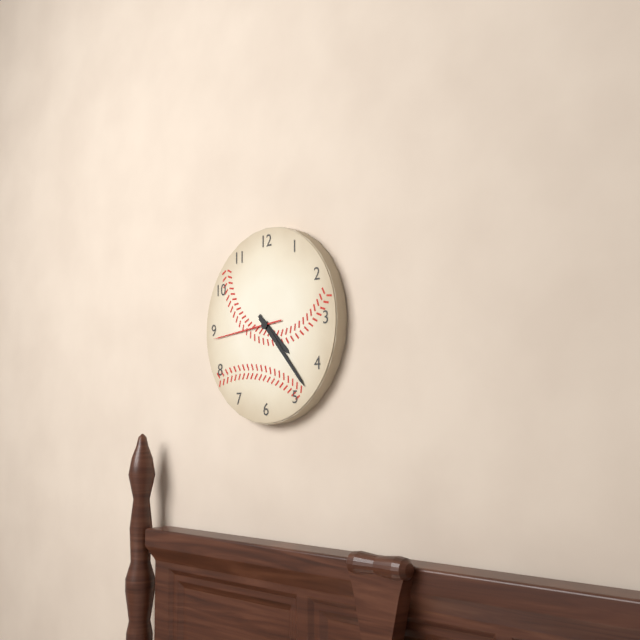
4:23:44
